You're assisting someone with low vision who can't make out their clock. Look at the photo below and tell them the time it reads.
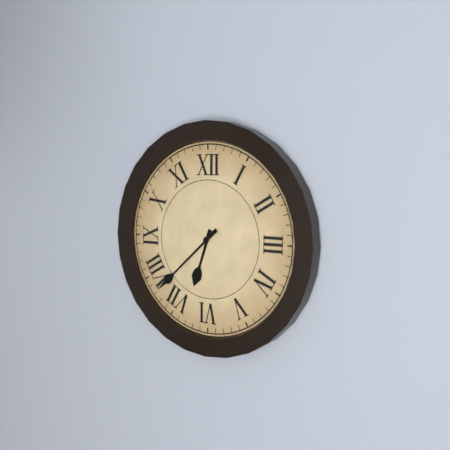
6:38
